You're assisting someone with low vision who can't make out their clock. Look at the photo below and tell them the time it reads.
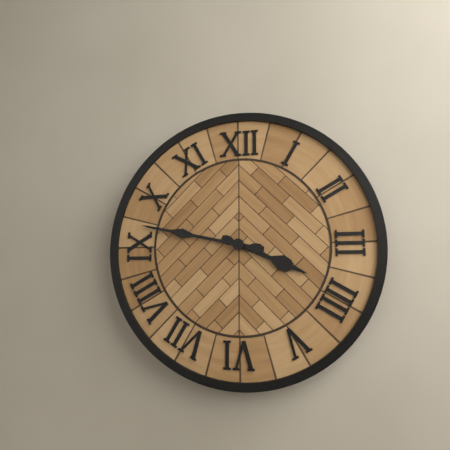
3:47
